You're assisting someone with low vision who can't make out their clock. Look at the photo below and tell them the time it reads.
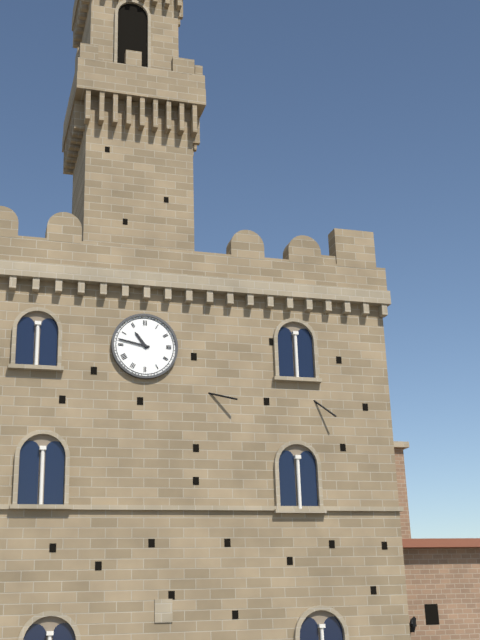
10:47
